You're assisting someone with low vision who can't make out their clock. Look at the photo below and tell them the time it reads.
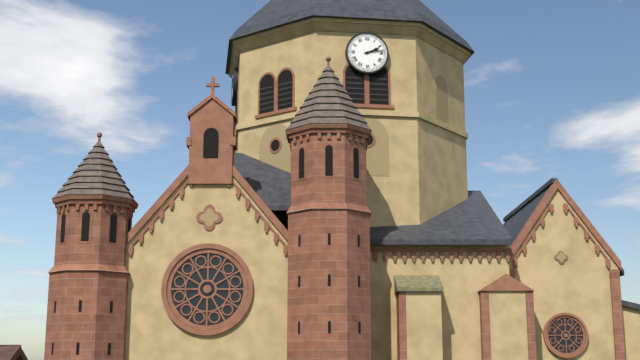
2:13
